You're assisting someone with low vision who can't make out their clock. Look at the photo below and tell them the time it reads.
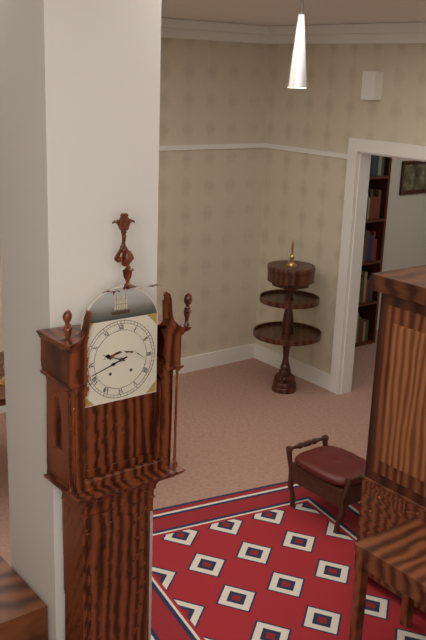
9:42
